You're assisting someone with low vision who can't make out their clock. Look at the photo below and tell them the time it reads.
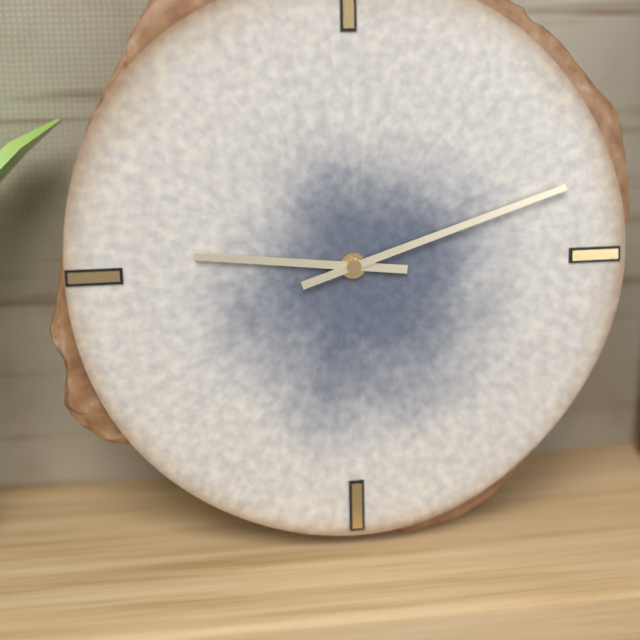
9:12
